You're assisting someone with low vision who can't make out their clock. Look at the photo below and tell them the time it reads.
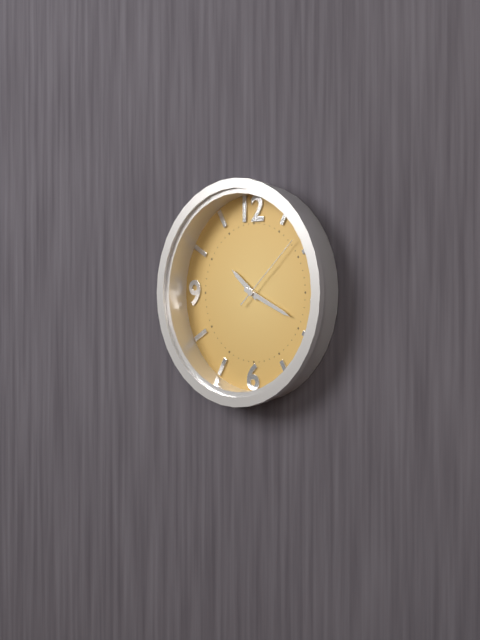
10:19:08
